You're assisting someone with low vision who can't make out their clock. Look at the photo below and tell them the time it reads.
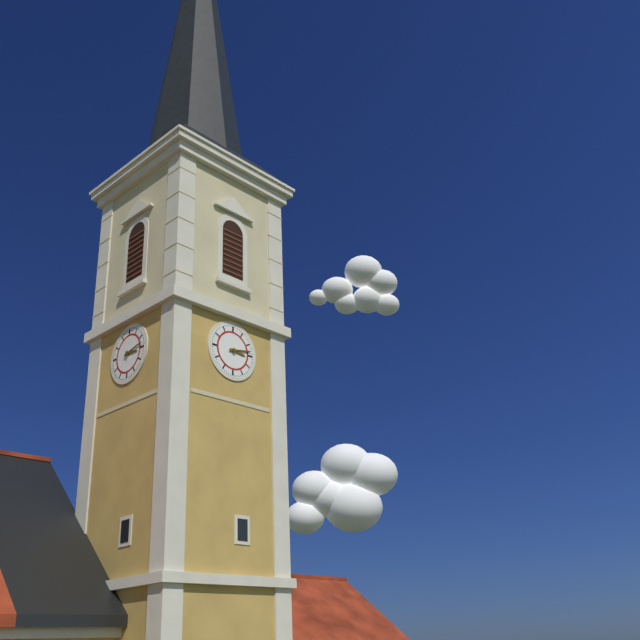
3:13
